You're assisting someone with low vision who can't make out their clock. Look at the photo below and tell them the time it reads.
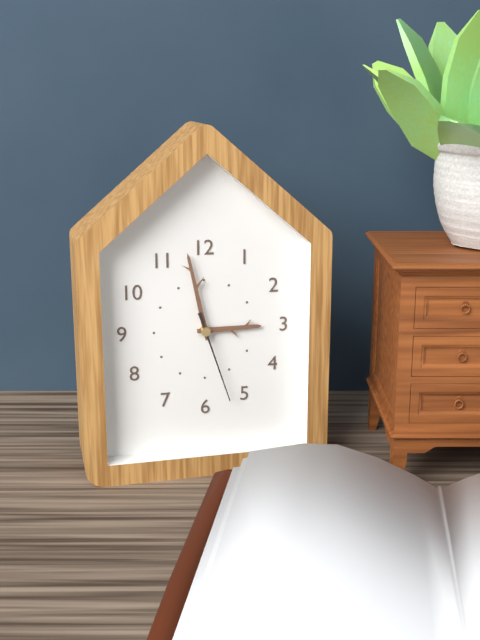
2:58:27
